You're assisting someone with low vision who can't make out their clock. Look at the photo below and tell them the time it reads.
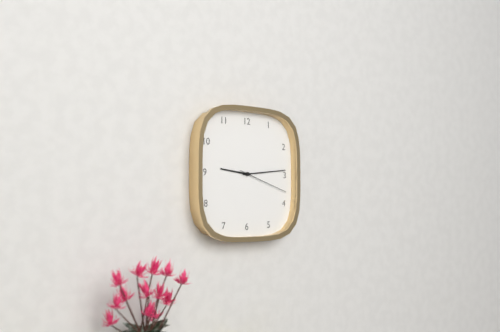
9:14:18
